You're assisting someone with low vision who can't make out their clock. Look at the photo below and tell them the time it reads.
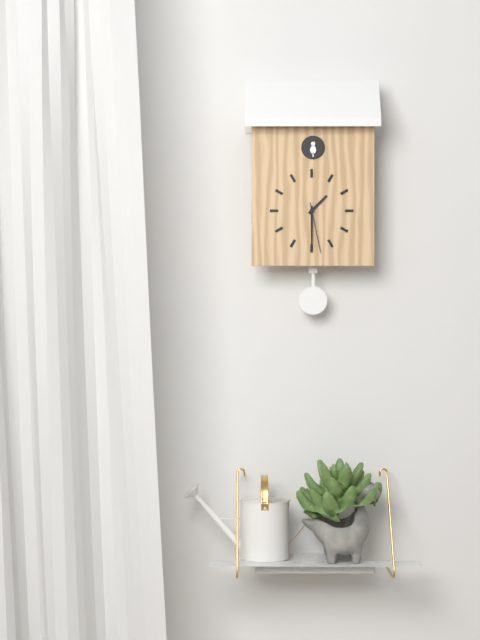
1:30:28
